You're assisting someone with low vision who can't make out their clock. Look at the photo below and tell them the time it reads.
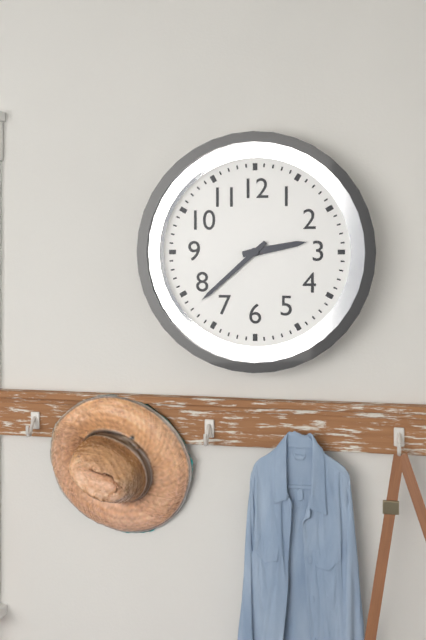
2:38
